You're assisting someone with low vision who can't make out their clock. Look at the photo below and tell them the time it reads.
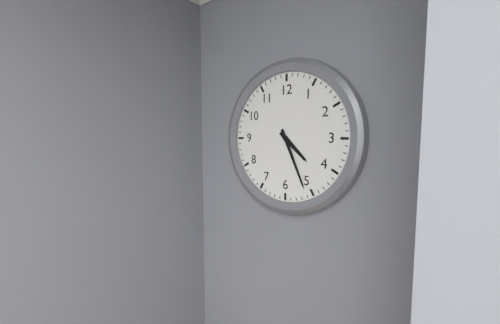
4:26
